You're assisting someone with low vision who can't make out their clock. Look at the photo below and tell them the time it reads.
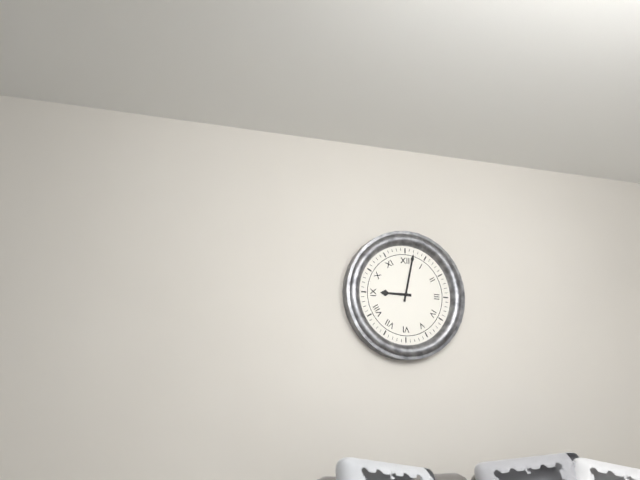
9:02
